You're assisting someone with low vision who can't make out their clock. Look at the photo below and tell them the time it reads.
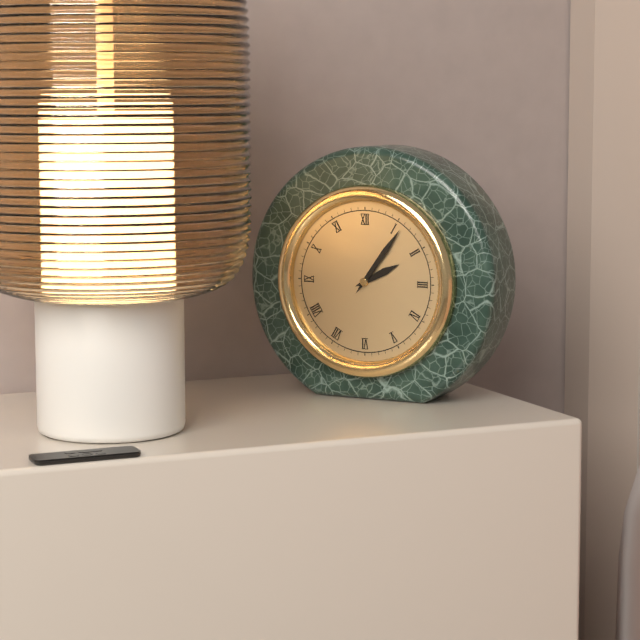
2:06
